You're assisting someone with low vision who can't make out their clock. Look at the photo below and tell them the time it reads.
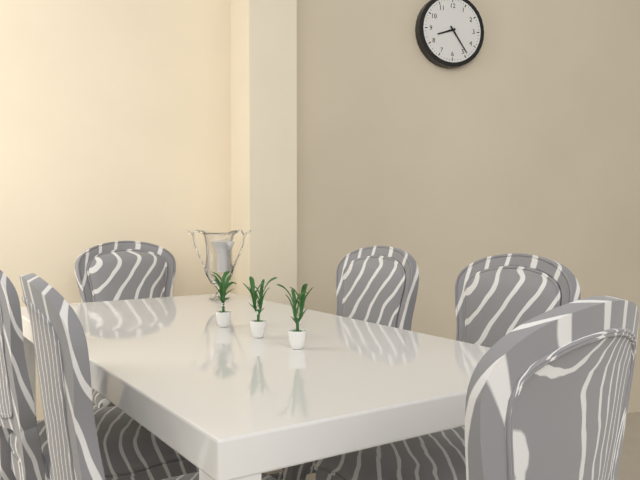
8:24
